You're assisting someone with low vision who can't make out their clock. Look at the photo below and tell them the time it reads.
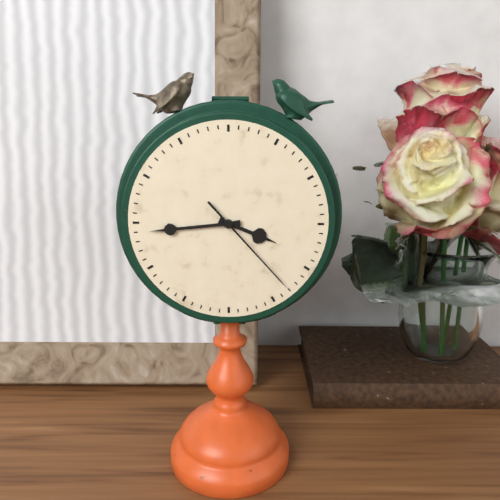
3:44:23
